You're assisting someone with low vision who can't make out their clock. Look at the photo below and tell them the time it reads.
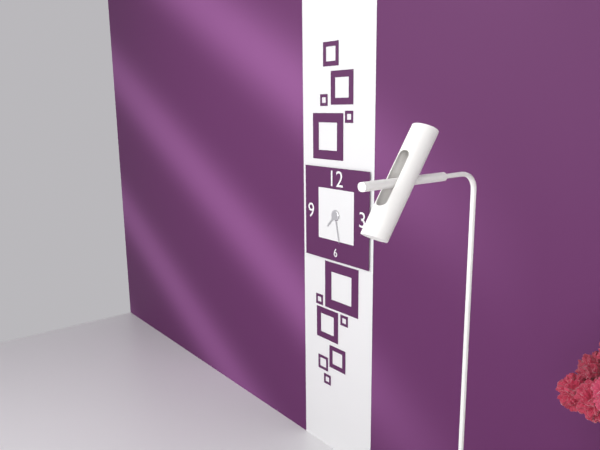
7:28
